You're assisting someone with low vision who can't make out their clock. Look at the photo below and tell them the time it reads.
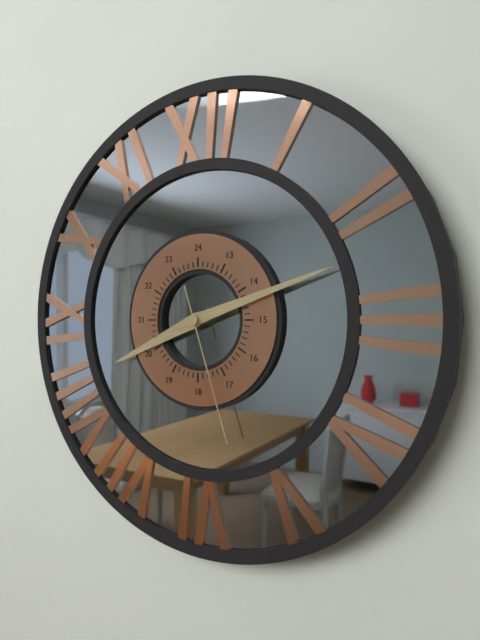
8:12:27
